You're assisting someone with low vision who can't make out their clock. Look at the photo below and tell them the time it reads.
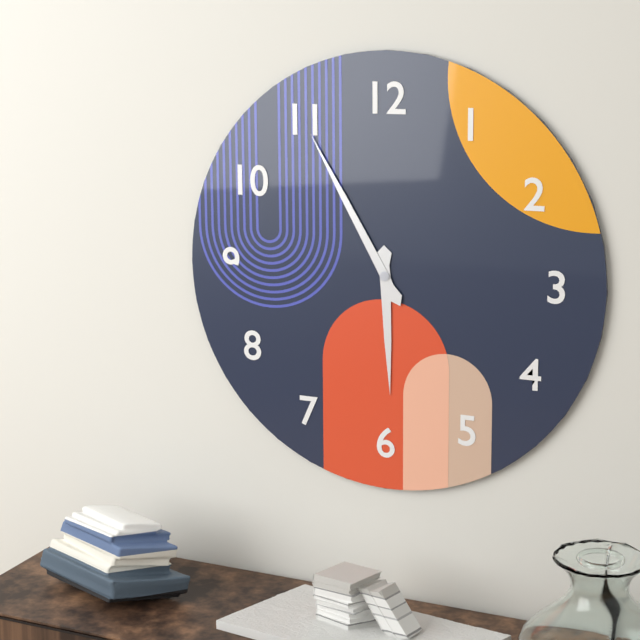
5:55
